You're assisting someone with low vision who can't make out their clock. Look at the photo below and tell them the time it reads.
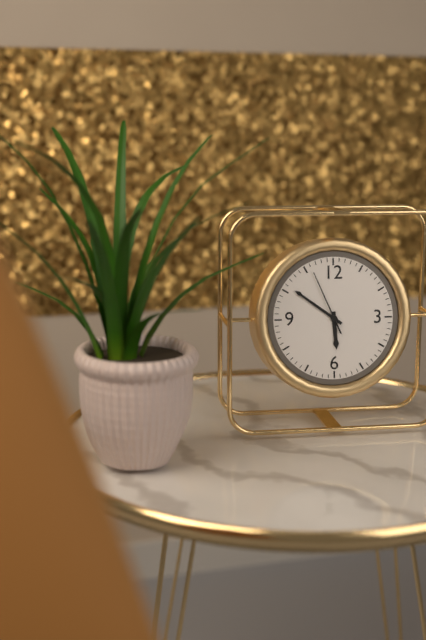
5:51:56
